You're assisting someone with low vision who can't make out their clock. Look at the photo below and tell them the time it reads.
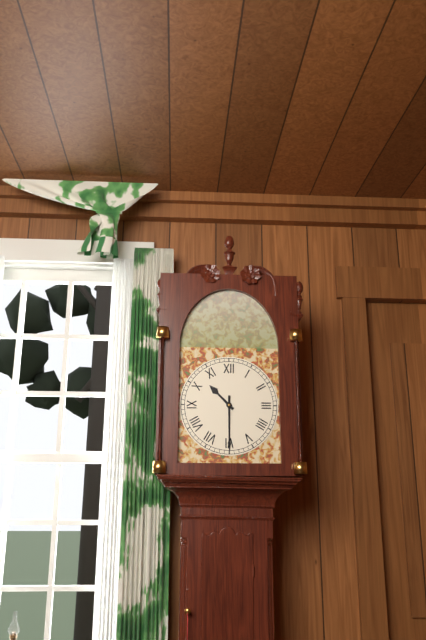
10:30
